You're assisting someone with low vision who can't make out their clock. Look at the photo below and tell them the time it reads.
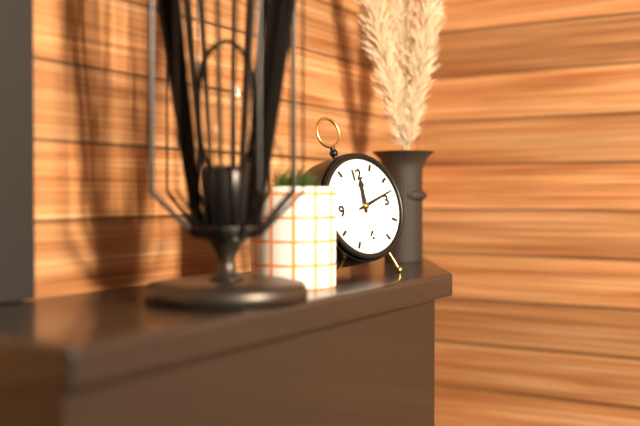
12:13
